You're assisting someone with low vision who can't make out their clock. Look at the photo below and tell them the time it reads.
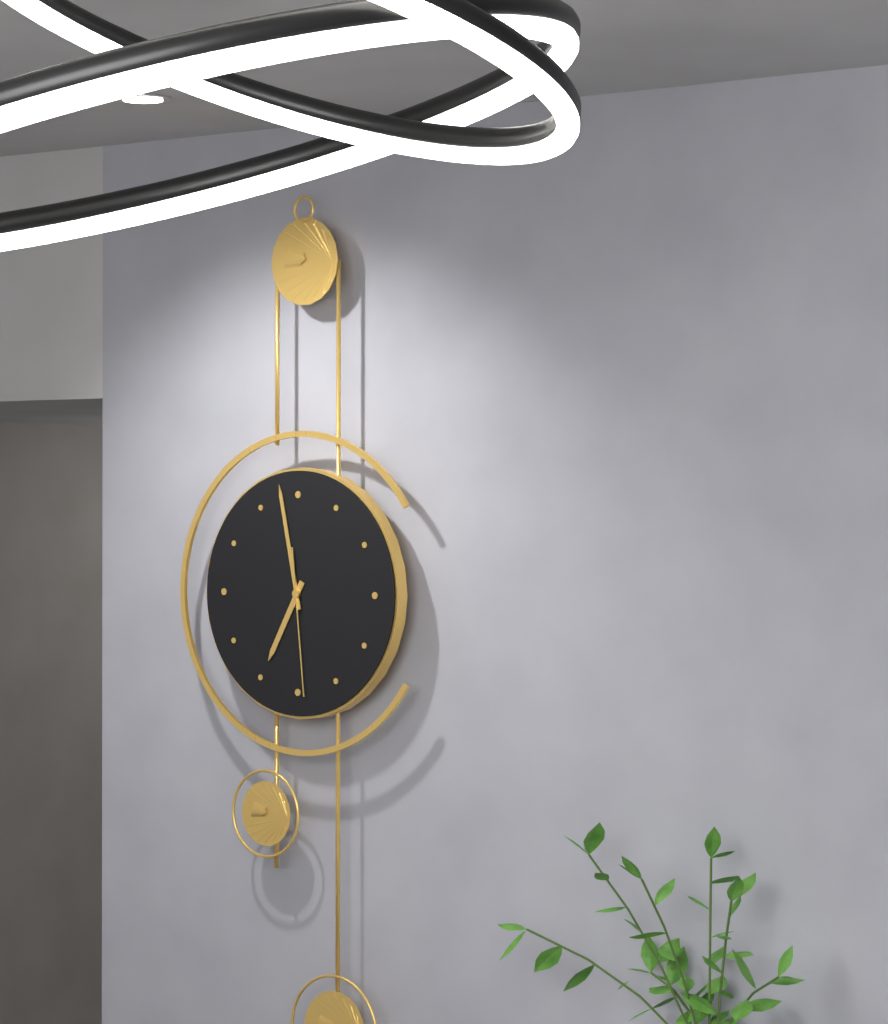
6:58:29
